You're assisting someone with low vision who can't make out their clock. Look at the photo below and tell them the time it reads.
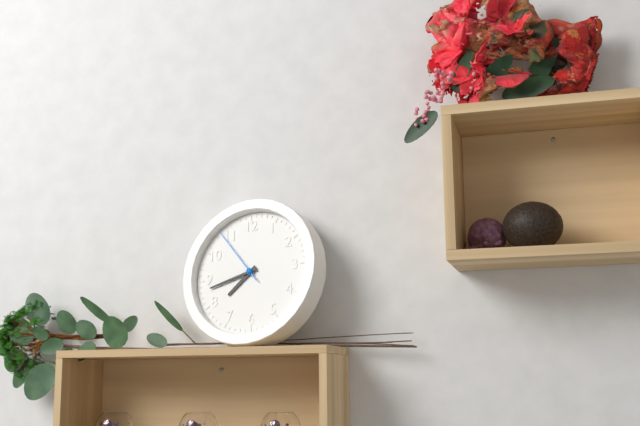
7:43:54
